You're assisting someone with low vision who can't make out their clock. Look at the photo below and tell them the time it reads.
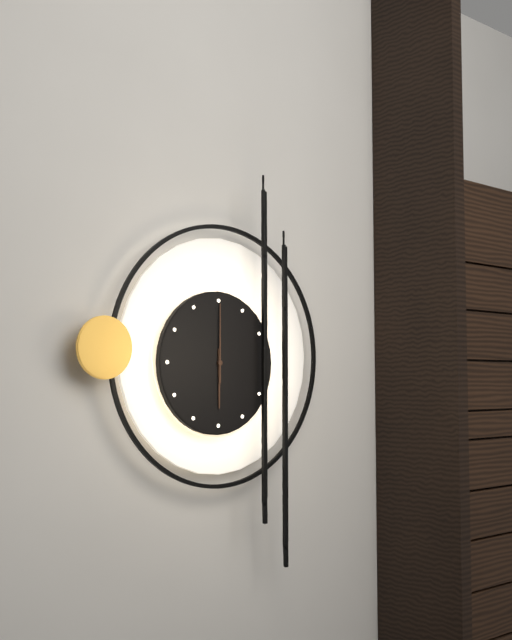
6:00
